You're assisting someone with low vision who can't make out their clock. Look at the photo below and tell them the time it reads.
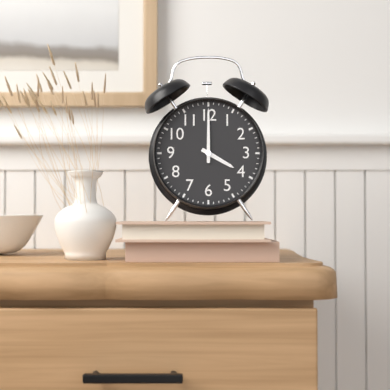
4:00
